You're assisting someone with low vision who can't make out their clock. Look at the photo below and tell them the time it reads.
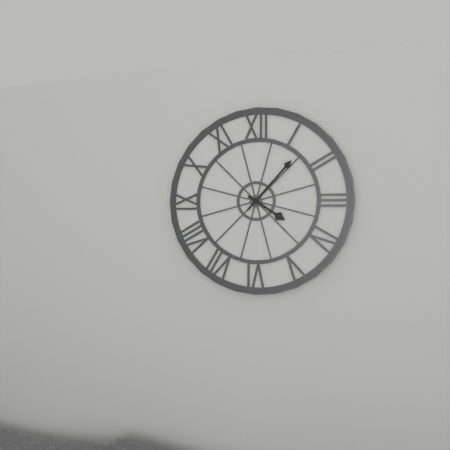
4:07
